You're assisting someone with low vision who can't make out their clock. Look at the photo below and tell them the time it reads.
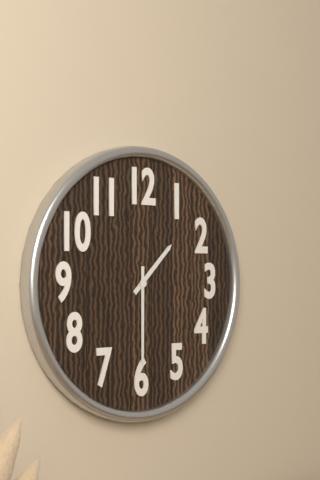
1:30
